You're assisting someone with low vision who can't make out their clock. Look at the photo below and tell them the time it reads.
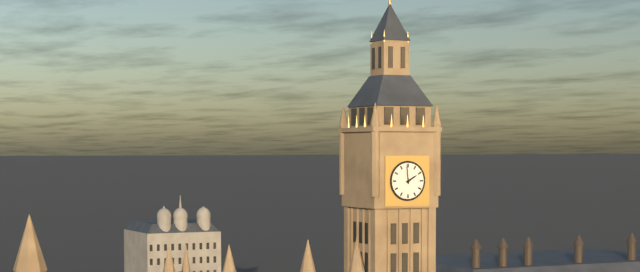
1:59
